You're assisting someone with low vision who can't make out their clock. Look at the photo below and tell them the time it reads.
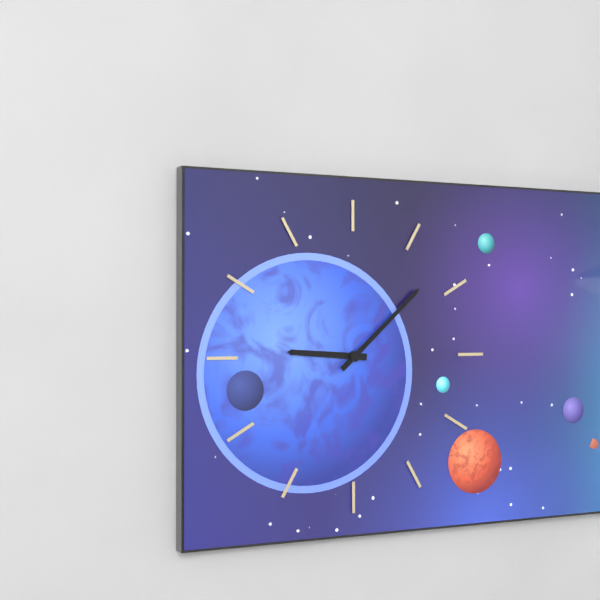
9:08
